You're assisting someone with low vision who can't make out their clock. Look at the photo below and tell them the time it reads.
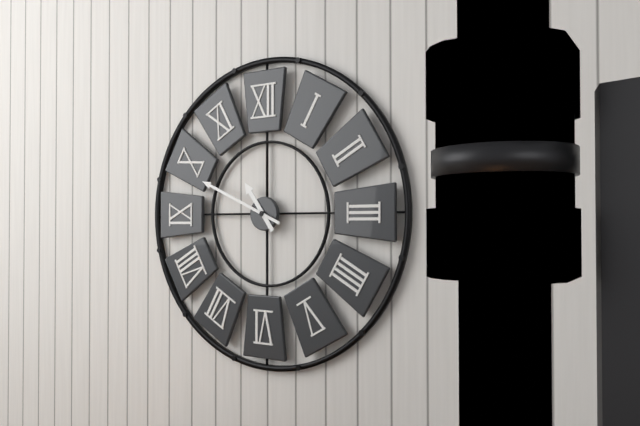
10:49
